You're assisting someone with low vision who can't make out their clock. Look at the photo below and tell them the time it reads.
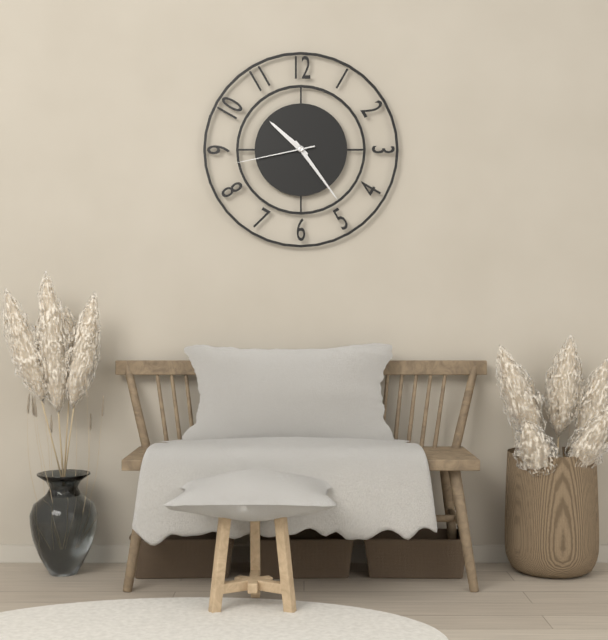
10:24:43
